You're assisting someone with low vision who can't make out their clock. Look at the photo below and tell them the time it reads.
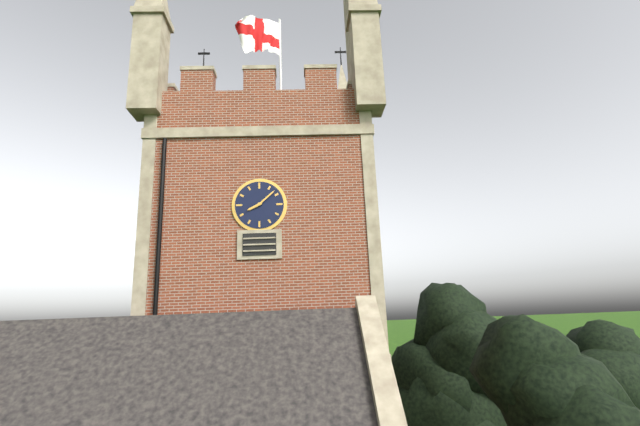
8:08
